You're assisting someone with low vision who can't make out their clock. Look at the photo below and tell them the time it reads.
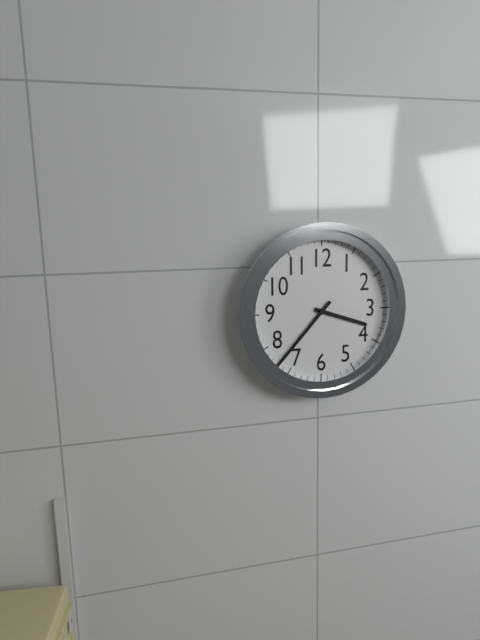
3:37
